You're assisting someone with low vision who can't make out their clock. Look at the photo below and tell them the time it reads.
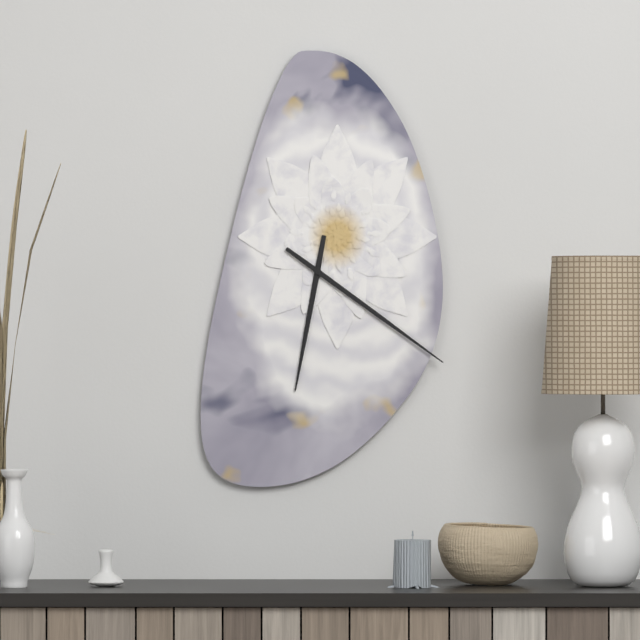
6:21
